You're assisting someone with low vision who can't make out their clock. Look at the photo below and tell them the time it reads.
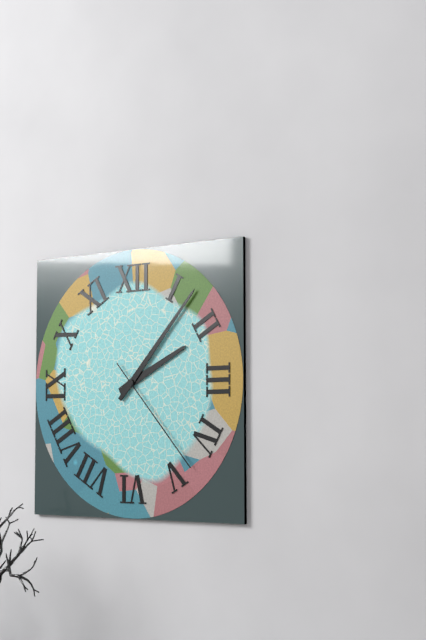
2:07:23
